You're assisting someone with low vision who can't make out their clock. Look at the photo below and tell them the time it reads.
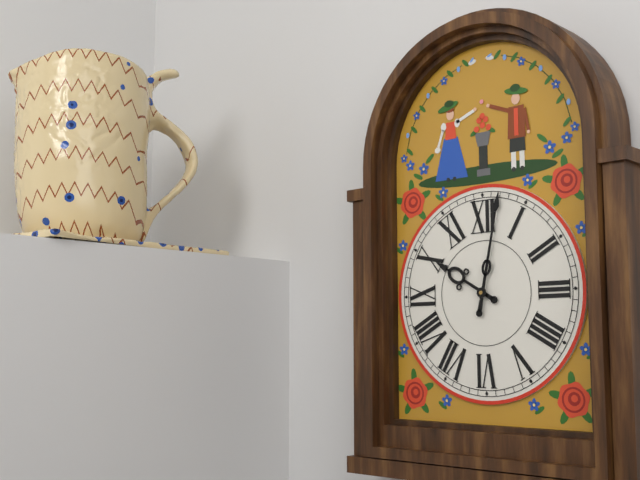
10:02
